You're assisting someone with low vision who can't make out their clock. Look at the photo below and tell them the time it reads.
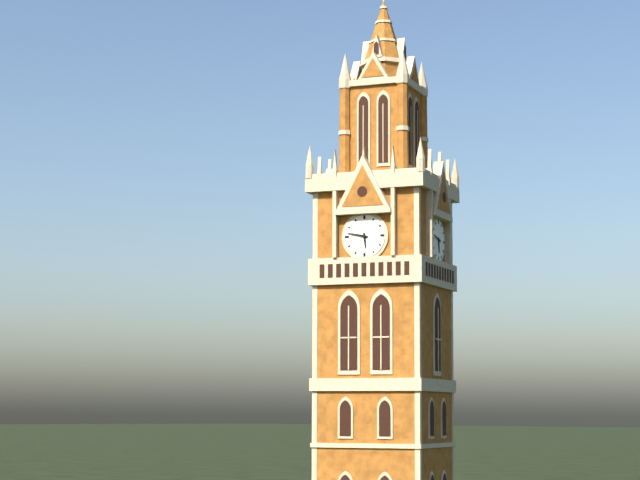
5:47
